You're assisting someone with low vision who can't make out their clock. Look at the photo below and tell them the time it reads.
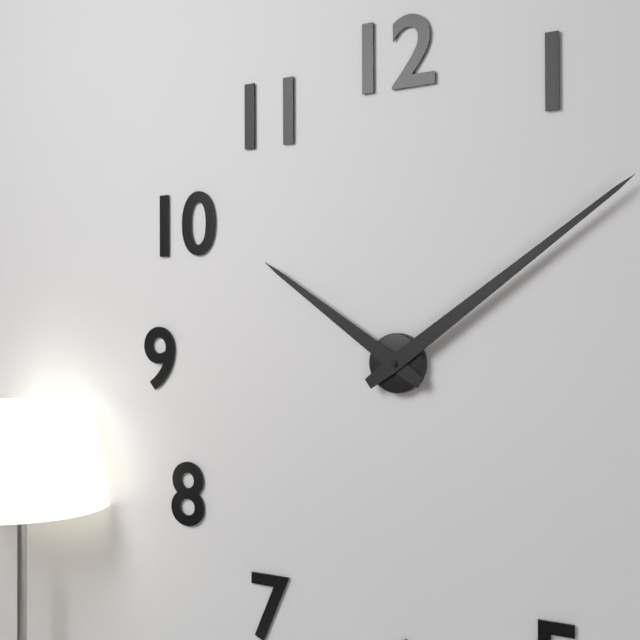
10:09
